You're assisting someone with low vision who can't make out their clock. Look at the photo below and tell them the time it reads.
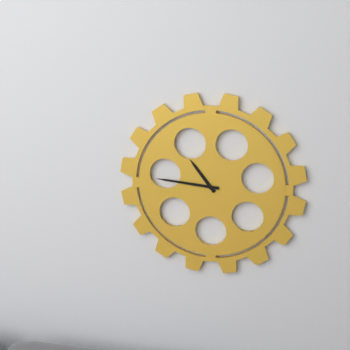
10:46
